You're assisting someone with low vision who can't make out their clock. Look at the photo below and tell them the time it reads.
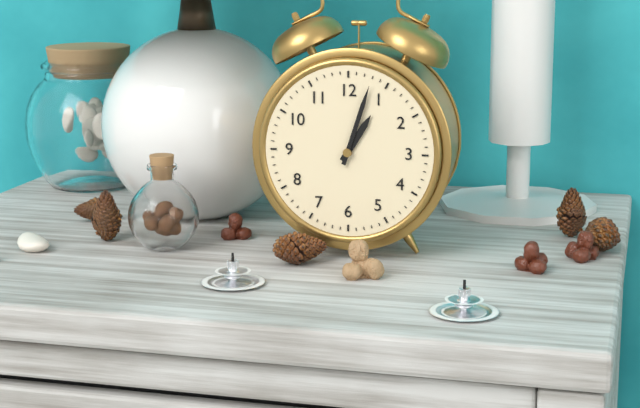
1:03
